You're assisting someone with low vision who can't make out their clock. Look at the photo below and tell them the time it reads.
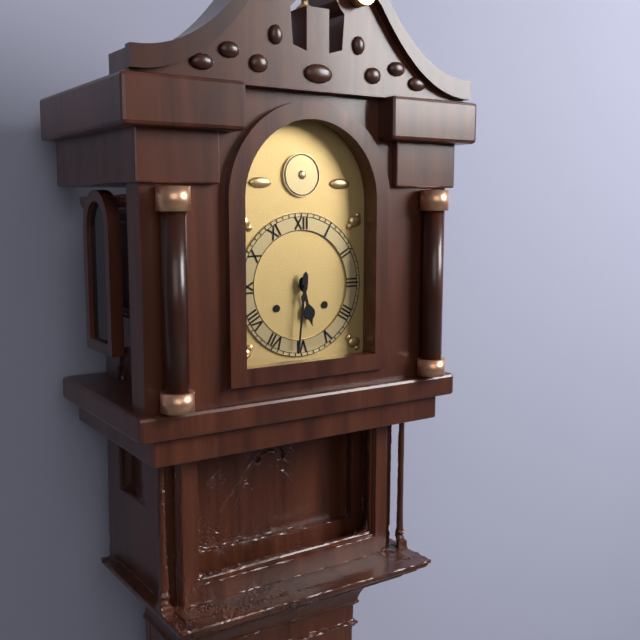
5:31
